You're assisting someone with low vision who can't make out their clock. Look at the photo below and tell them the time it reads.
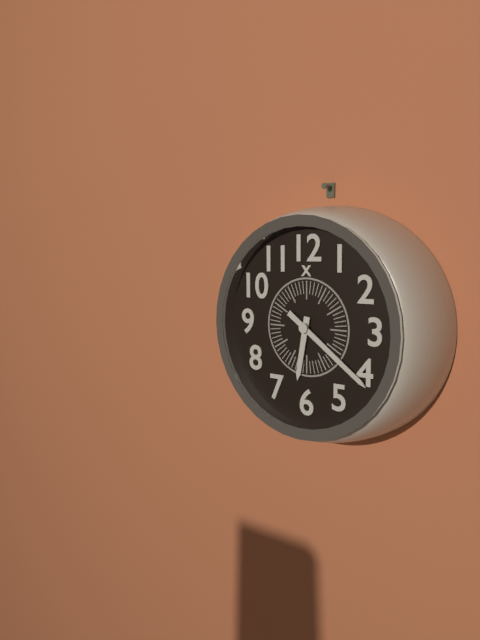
6:21
